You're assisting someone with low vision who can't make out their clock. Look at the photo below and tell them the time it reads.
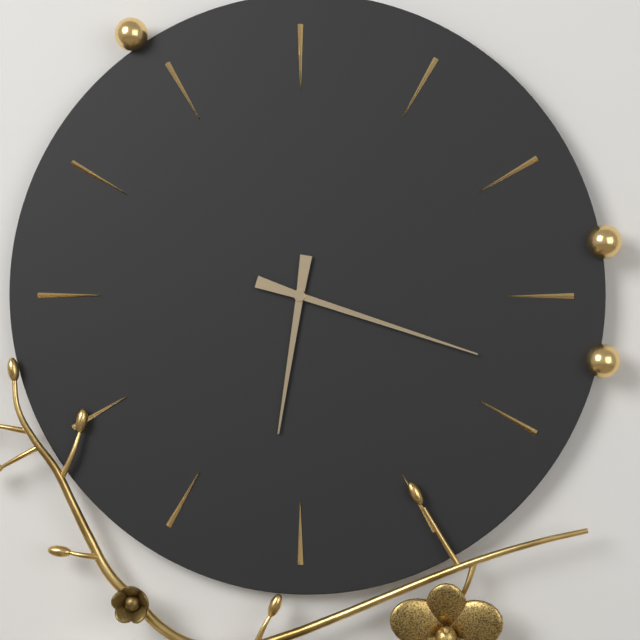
6:18
